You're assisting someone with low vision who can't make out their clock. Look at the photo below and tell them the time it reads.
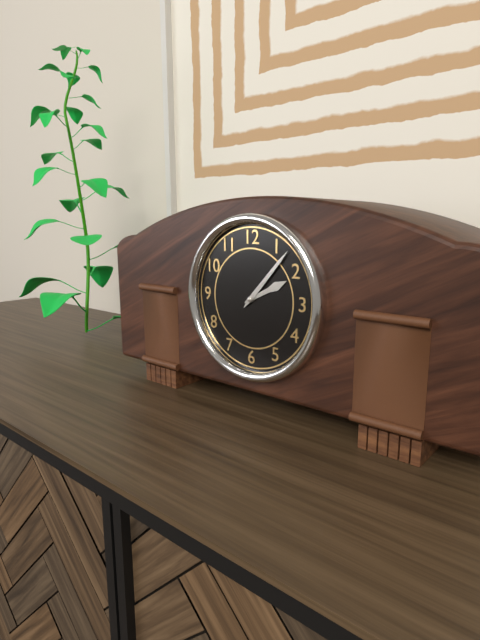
2:07
